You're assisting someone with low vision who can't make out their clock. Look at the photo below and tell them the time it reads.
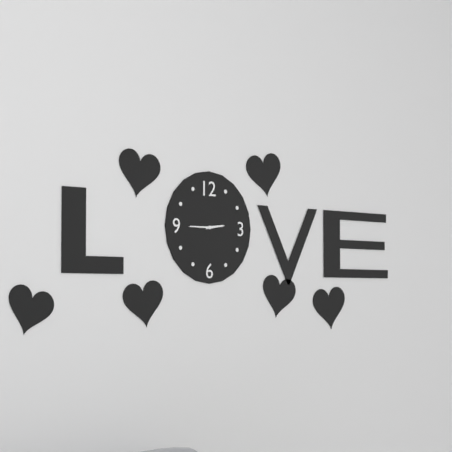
2:45
